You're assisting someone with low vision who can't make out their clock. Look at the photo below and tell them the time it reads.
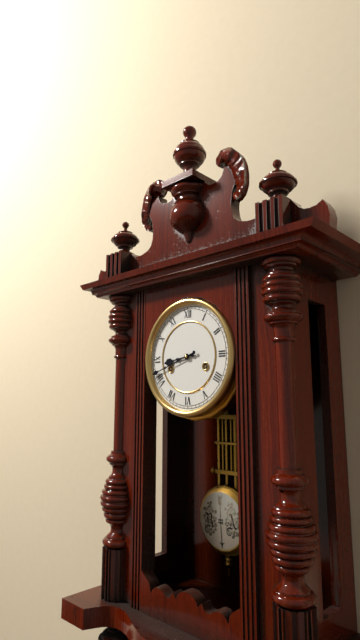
8:42
